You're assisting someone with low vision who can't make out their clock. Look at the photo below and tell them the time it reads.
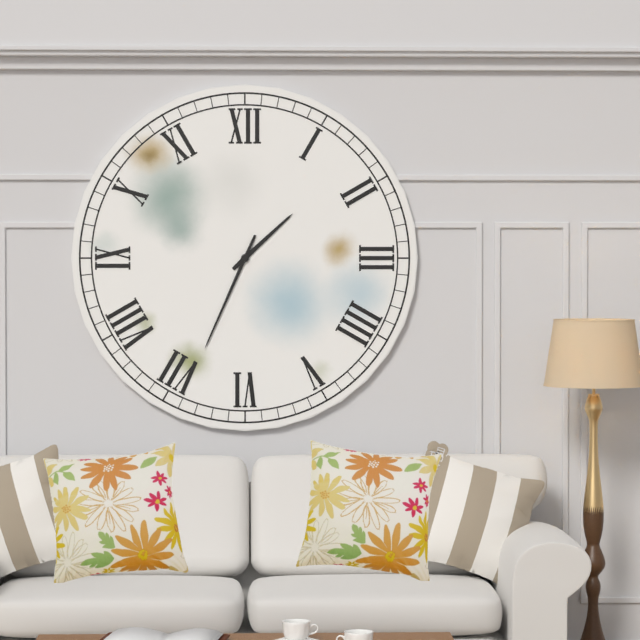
1:34
